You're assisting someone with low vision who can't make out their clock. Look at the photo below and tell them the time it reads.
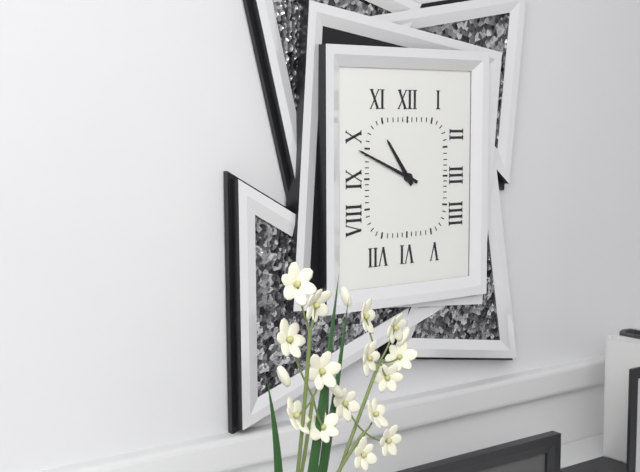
10:49
